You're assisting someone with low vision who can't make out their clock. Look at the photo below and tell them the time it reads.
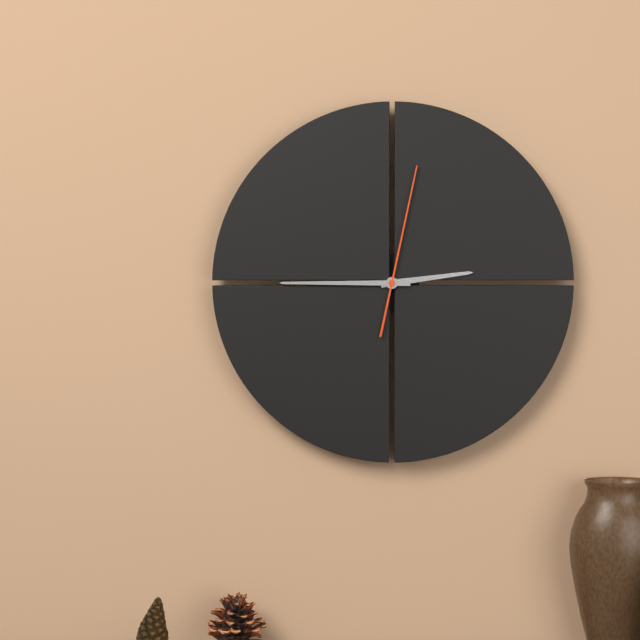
2:45:02
